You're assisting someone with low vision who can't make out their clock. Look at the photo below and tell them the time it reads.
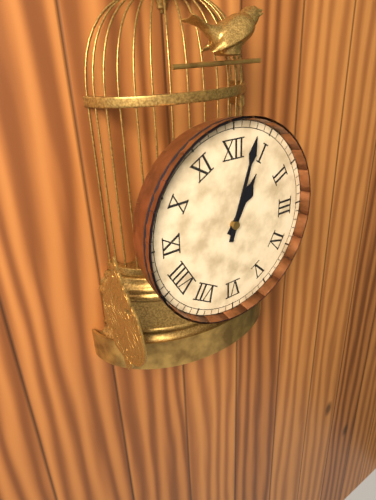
1:03
